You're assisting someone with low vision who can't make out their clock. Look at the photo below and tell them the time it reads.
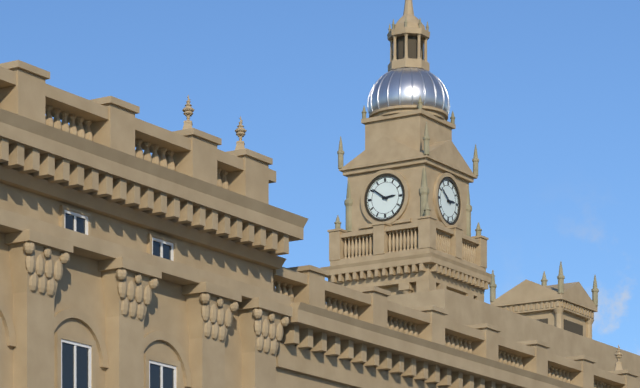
2:51
